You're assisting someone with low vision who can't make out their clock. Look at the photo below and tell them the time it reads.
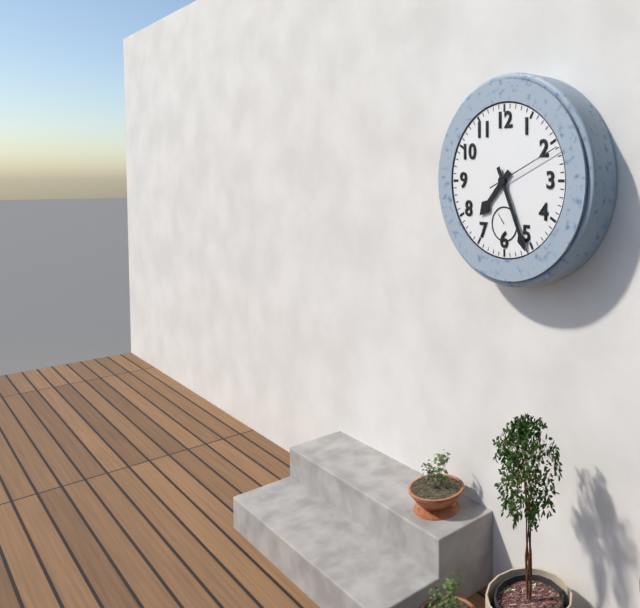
7:26:11
